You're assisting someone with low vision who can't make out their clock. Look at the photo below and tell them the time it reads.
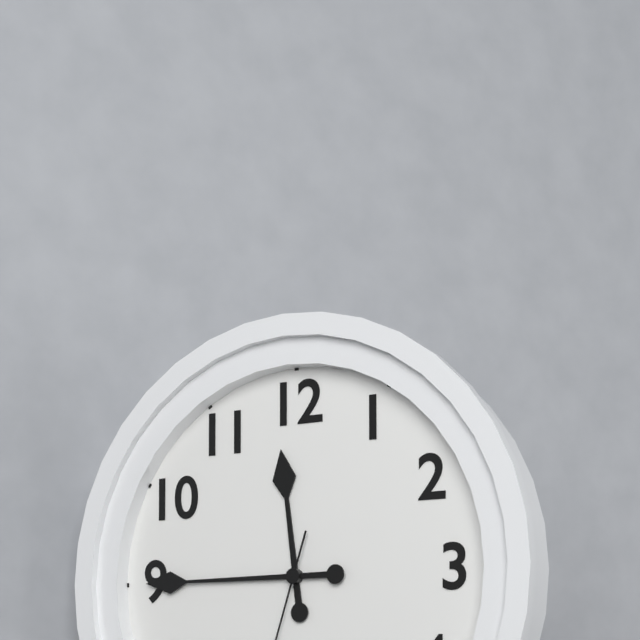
11:45
